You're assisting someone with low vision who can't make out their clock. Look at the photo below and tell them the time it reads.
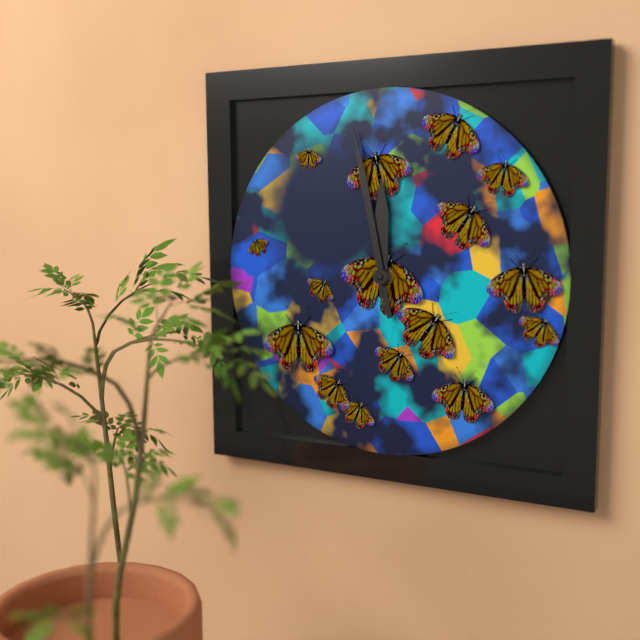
11:58
